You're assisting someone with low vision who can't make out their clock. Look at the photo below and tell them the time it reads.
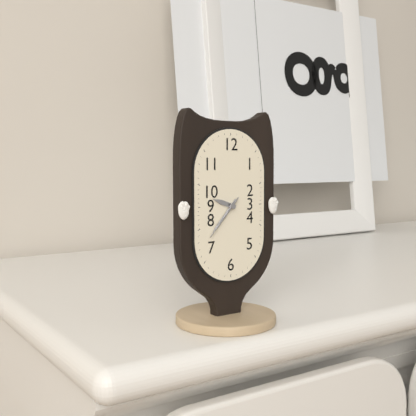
9:37
